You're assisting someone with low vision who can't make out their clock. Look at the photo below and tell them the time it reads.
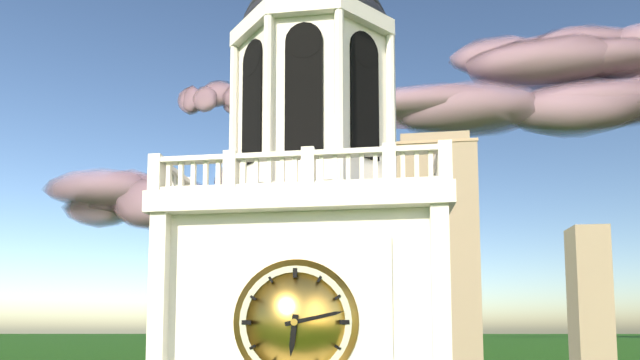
6:13
